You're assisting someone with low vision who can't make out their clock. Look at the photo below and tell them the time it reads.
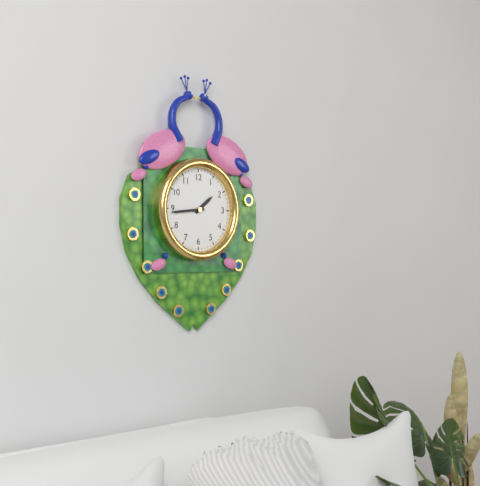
1:44
